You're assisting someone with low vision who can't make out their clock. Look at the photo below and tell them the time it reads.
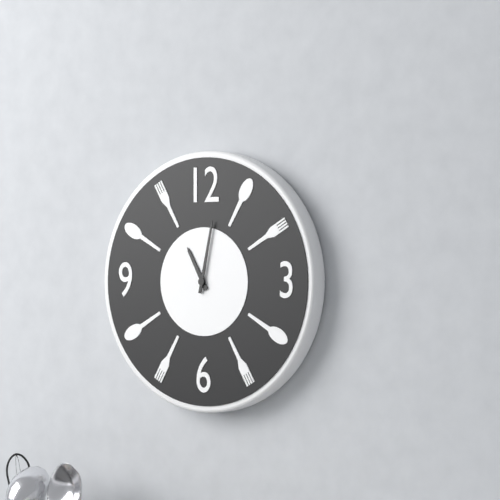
11:02
